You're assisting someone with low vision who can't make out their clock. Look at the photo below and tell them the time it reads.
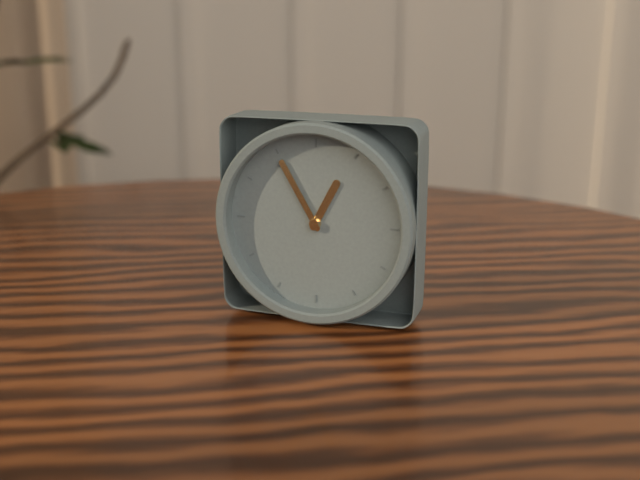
12:55
